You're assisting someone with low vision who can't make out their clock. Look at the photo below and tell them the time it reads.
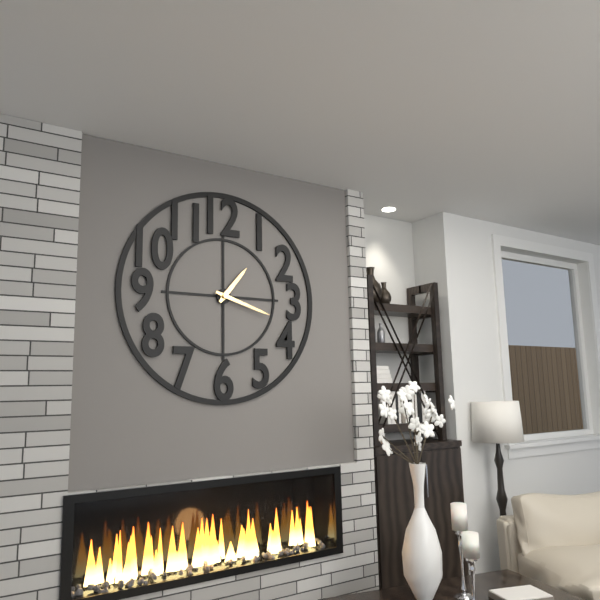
1:18
